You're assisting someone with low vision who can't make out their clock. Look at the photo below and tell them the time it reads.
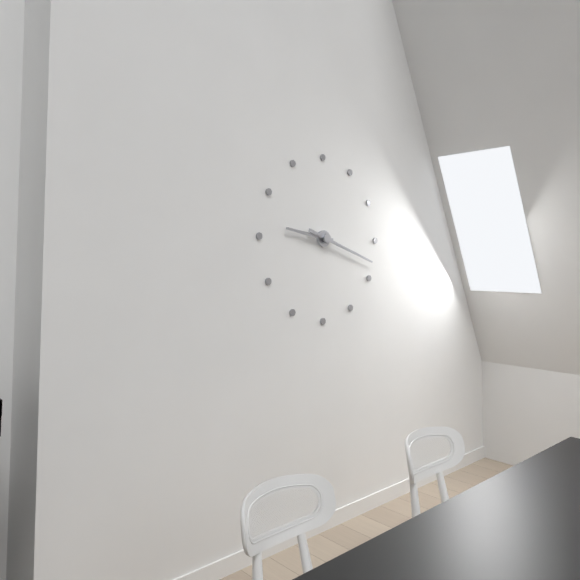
9:18
